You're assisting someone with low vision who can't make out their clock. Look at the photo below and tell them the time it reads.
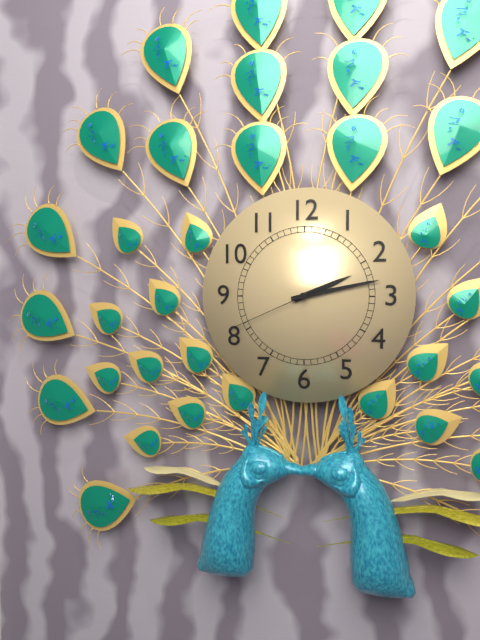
2:13:41
